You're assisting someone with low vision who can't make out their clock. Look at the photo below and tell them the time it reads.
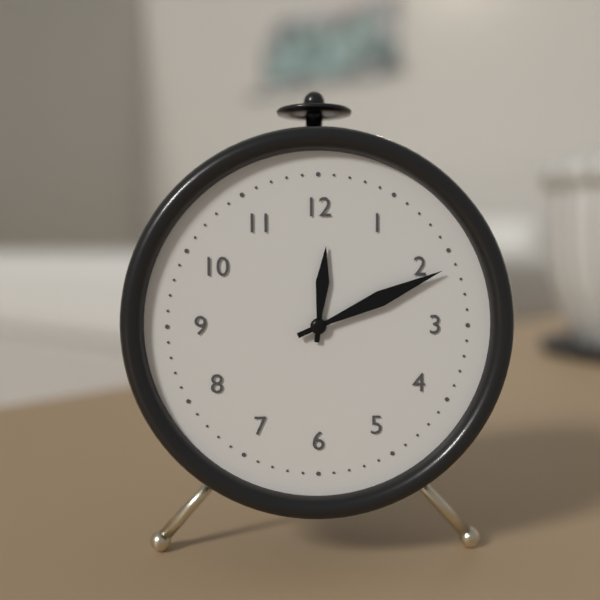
12:11
